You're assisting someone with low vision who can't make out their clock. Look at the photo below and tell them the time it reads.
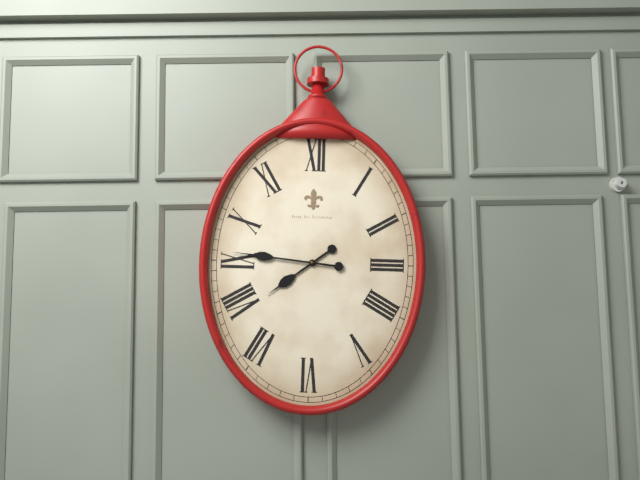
7:46
